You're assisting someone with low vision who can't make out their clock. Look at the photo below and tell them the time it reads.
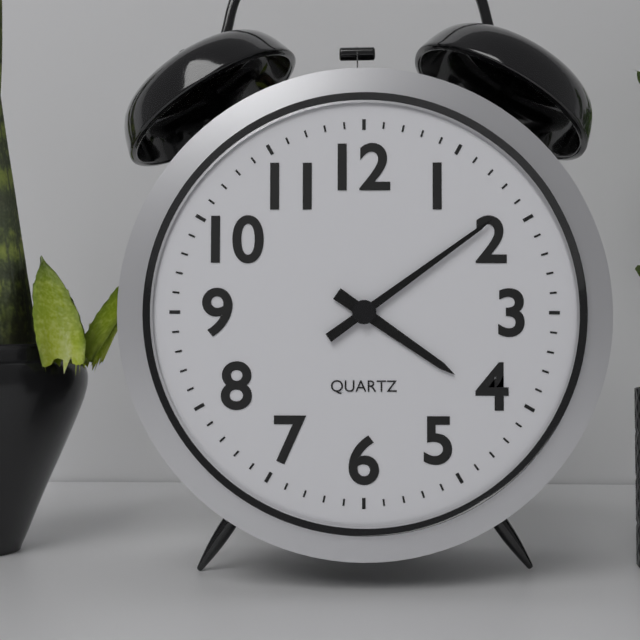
4:09
